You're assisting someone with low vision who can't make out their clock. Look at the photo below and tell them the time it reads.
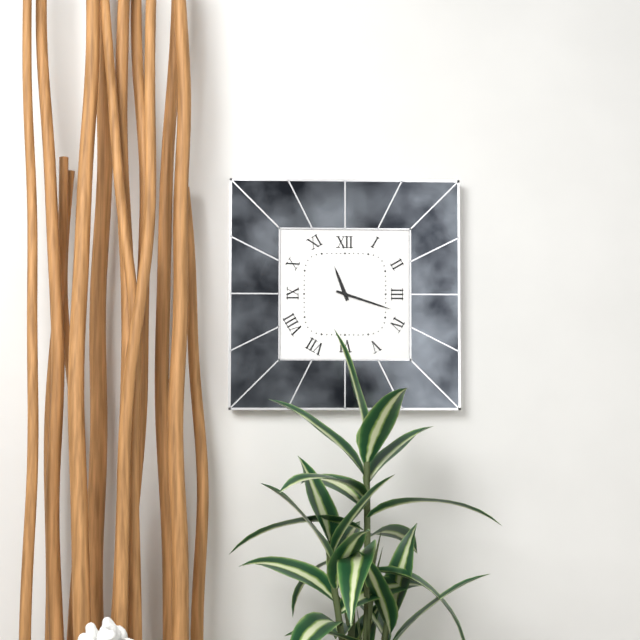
11:18
